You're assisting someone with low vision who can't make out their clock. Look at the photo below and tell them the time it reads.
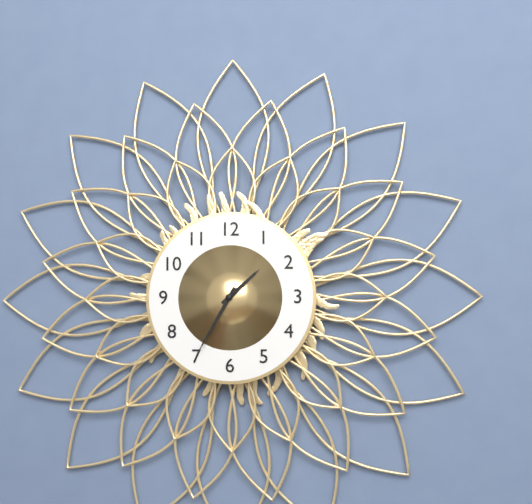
1:35
